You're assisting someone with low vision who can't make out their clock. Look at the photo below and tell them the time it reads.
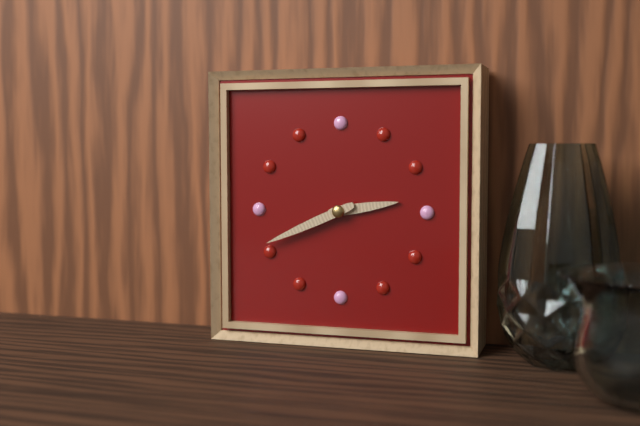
2:41
